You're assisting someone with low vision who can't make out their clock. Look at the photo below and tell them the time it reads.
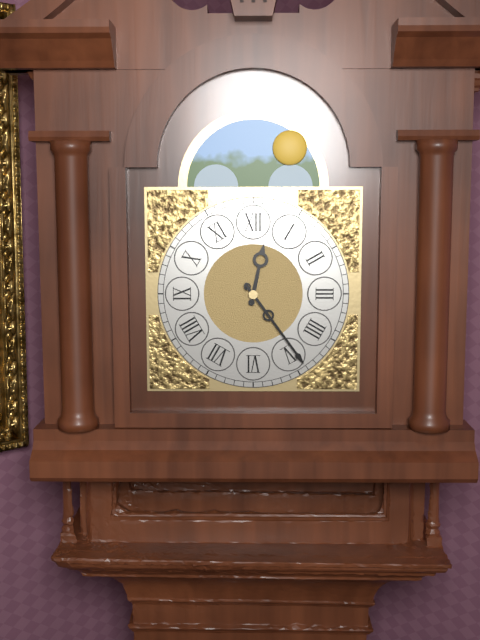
12:24
